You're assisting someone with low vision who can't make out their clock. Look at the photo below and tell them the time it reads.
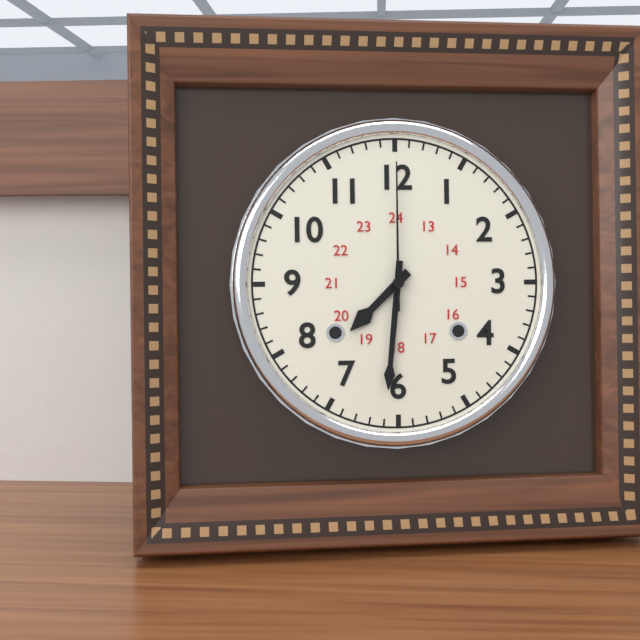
7:31:00
